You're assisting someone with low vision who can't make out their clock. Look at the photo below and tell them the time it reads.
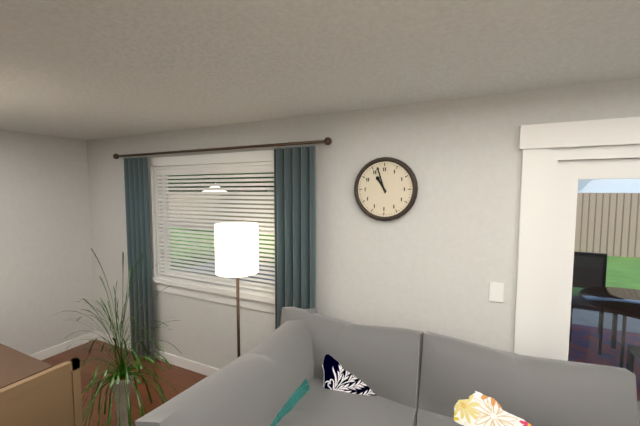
10:57
